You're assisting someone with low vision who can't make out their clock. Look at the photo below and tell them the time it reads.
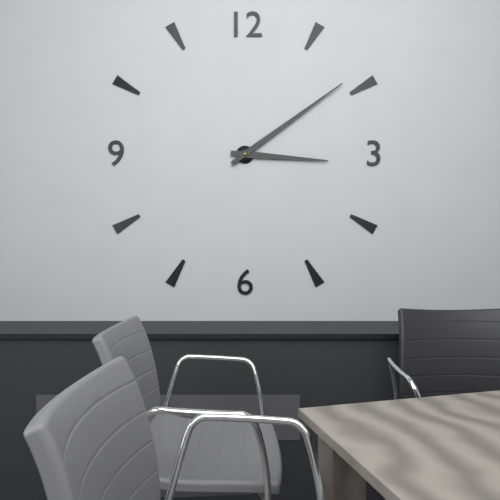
3:09
